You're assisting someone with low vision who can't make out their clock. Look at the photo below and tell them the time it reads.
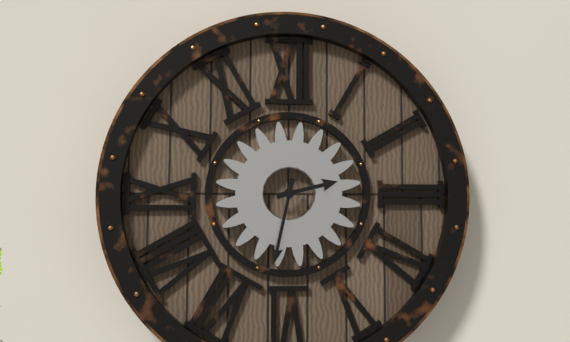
2:32
